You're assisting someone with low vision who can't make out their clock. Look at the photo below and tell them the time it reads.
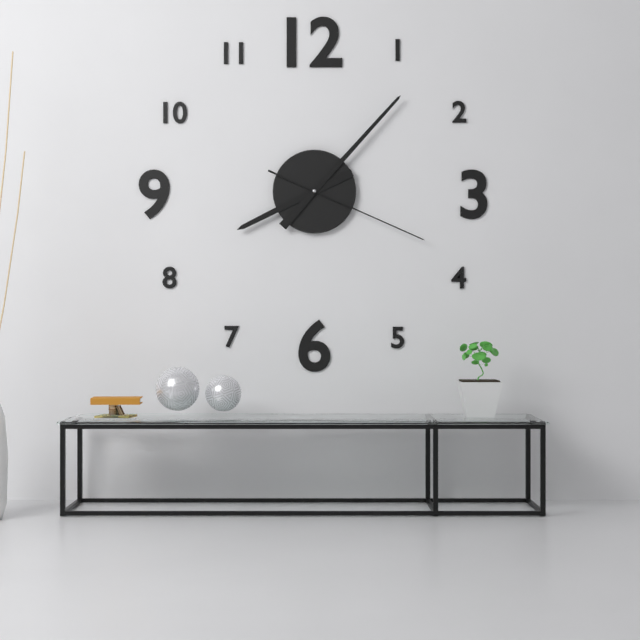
8:07:19
